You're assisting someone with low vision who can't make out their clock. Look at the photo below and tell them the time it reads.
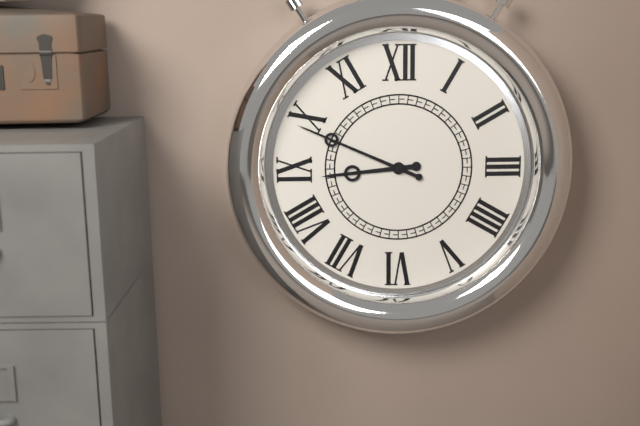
8:49
